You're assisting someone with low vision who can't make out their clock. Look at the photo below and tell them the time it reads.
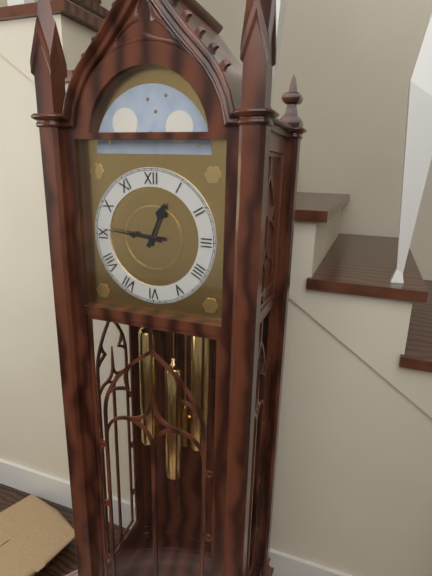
12:46
